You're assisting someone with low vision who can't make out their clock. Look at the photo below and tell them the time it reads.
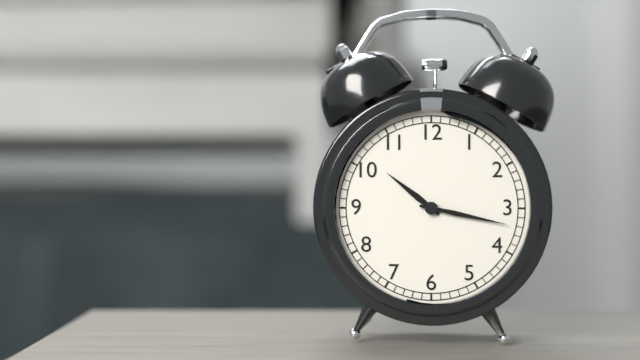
10:17
